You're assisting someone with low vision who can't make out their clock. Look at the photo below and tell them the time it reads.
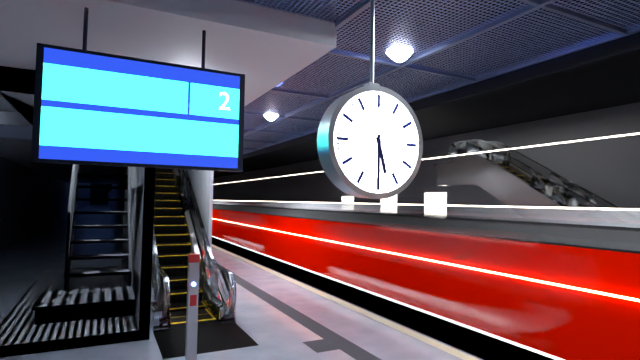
5:30
